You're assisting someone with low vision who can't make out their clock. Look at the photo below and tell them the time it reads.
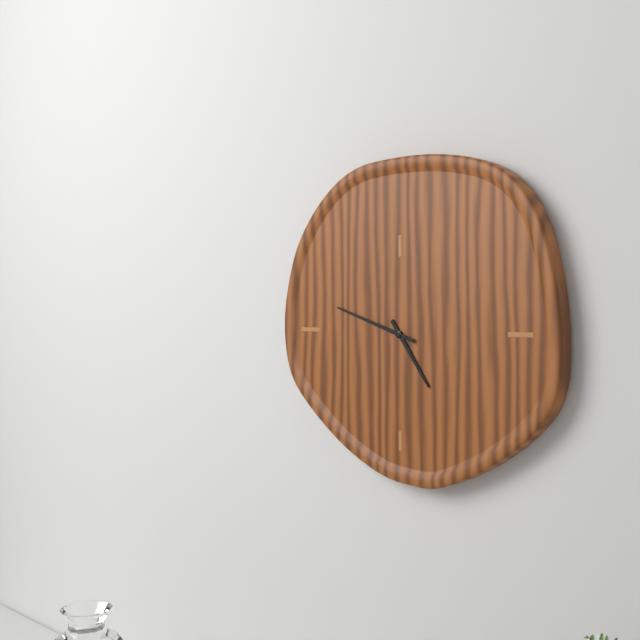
4:48
